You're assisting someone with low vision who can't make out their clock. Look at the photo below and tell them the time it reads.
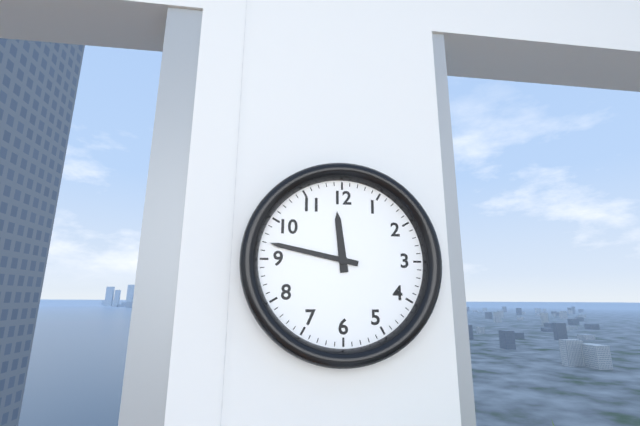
11:47
